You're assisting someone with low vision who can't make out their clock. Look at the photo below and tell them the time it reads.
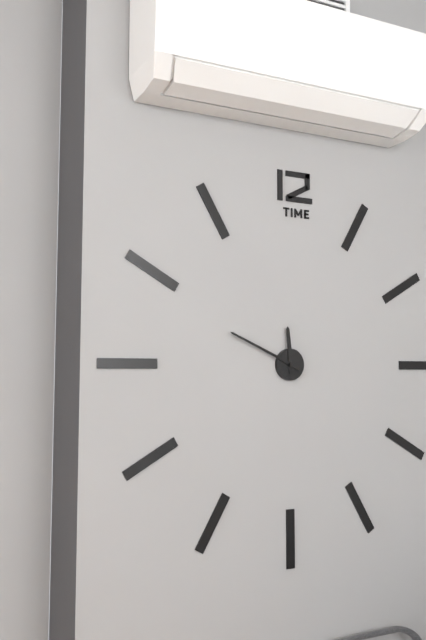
11:49
